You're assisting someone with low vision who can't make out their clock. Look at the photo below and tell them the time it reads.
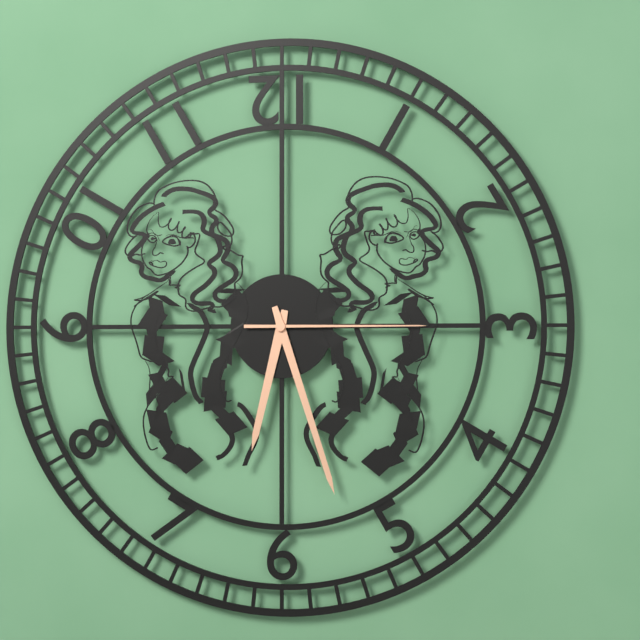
6:27:15
